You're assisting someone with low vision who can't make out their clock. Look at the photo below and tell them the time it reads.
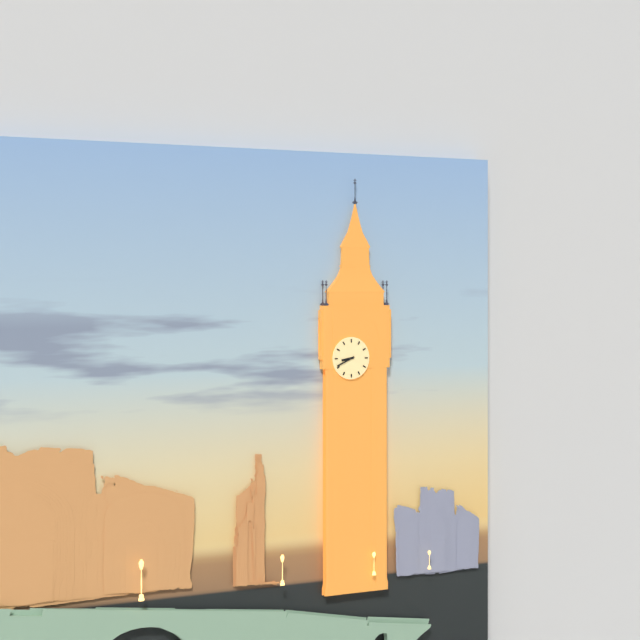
8:41
